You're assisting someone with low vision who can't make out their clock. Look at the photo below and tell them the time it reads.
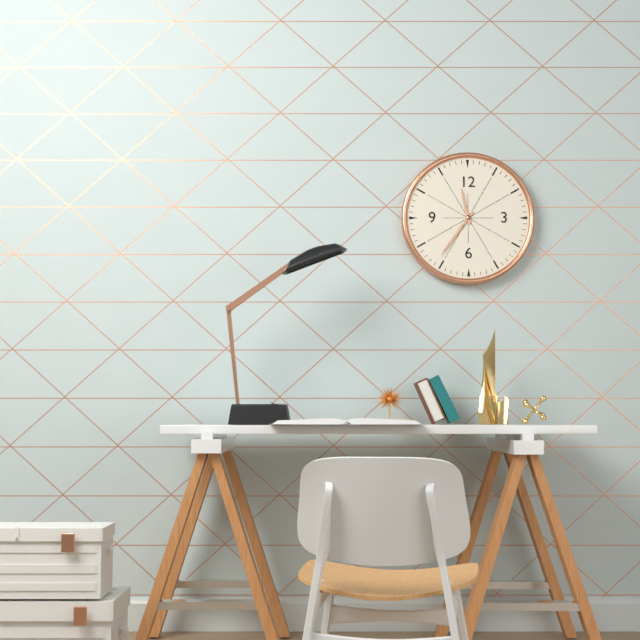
11:36
